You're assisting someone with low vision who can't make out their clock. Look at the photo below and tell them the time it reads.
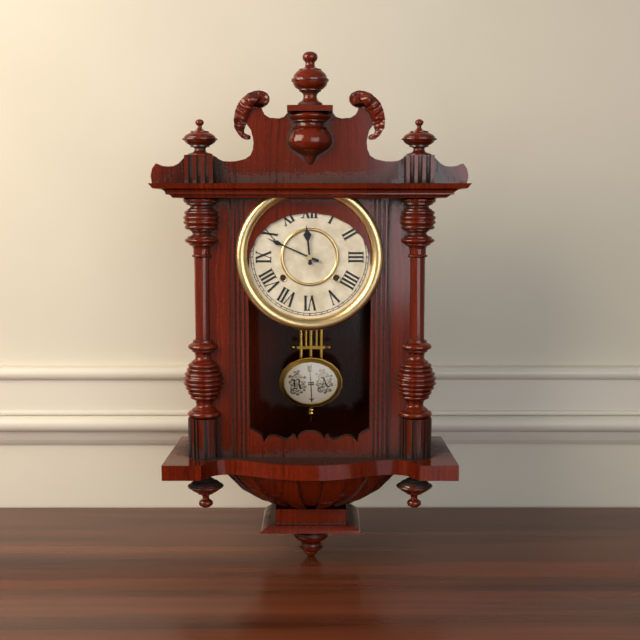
11:49
